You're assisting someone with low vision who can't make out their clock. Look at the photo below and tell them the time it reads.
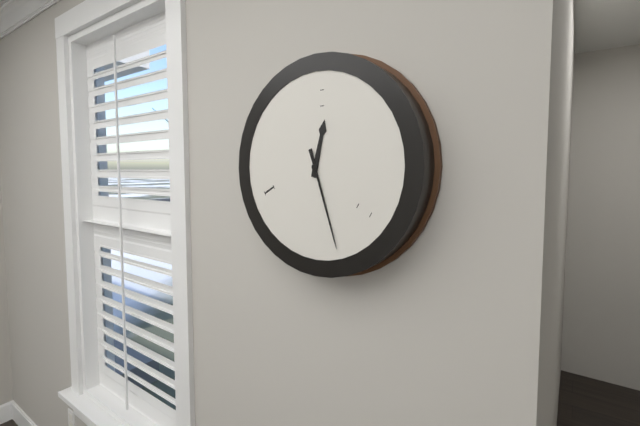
12:27
